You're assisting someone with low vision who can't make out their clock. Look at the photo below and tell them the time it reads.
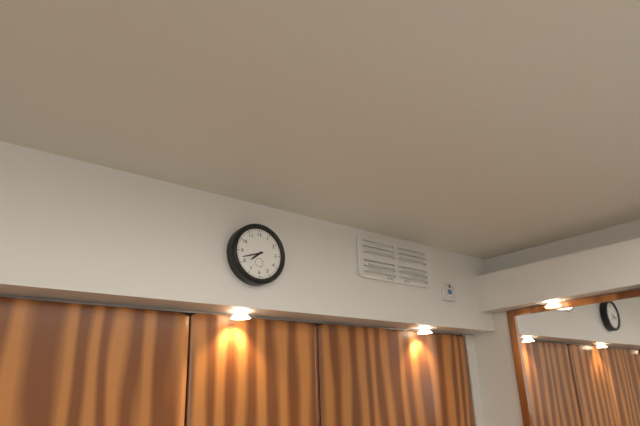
7:42
